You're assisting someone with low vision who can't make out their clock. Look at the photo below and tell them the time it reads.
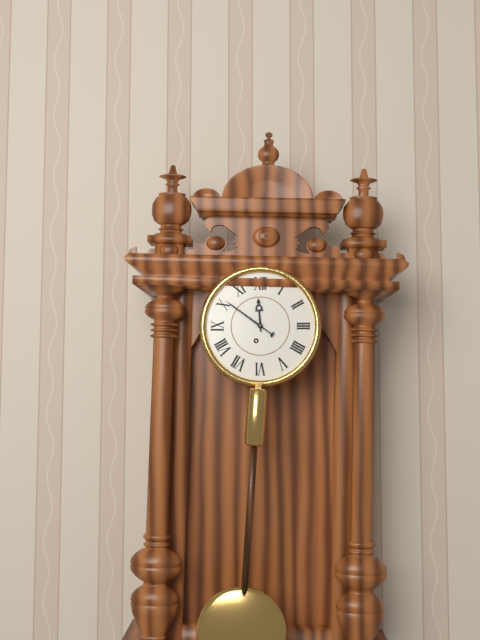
11:51
